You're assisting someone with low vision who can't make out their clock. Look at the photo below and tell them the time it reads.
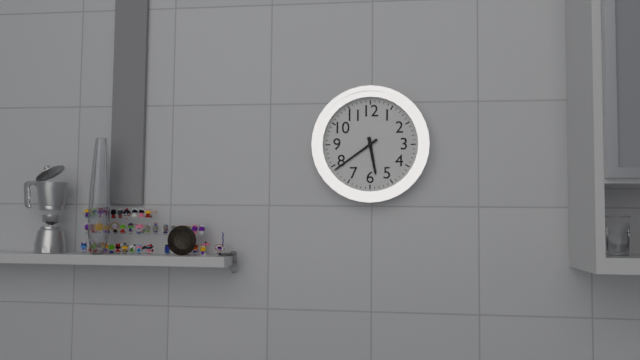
5:39
